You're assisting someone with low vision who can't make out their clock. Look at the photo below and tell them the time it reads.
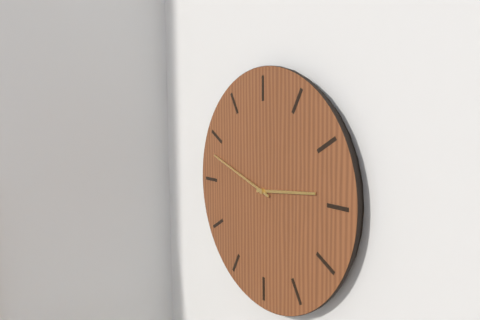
2:48
